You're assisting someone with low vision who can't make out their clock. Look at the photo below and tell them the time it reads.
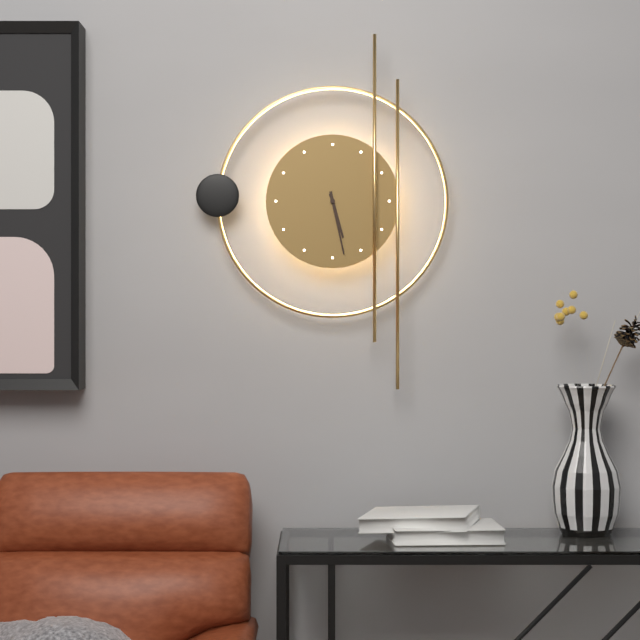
5:28
